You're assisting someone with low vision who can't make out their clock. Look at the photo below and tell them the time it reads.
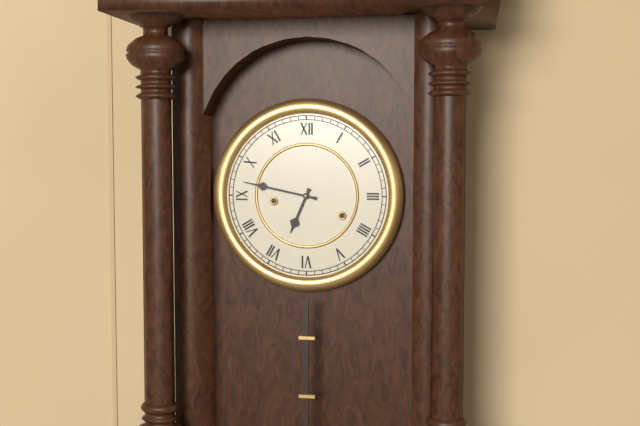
6:47
